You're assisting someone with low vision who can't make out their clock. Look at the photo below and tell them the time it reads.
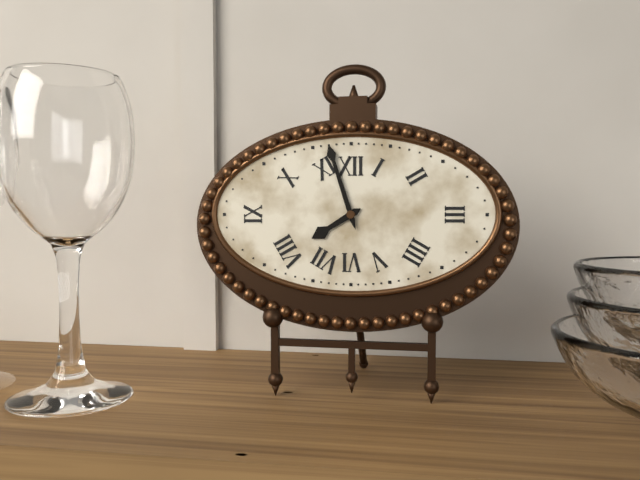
7:57
